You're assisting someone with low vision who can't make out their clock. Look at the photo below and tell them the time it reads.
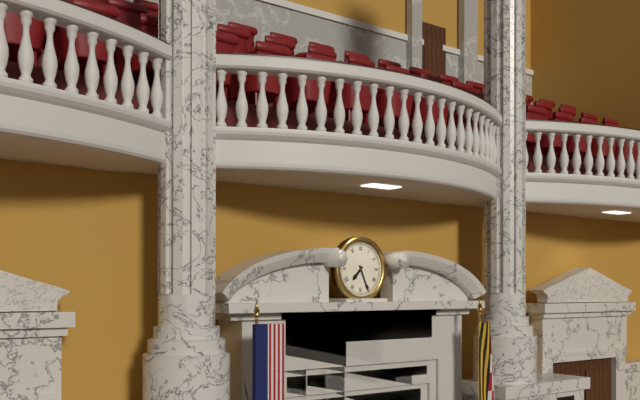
7:26
